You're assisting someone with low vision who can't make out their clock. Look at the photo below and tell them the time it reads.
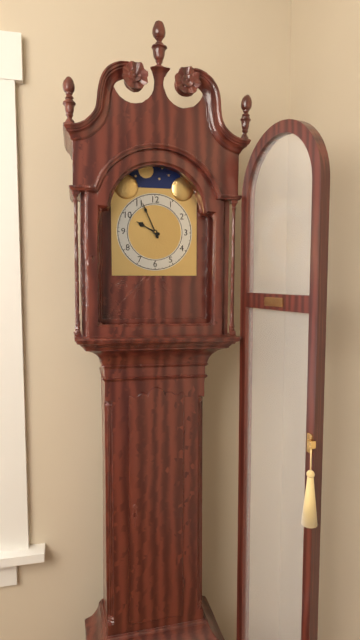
9:56
